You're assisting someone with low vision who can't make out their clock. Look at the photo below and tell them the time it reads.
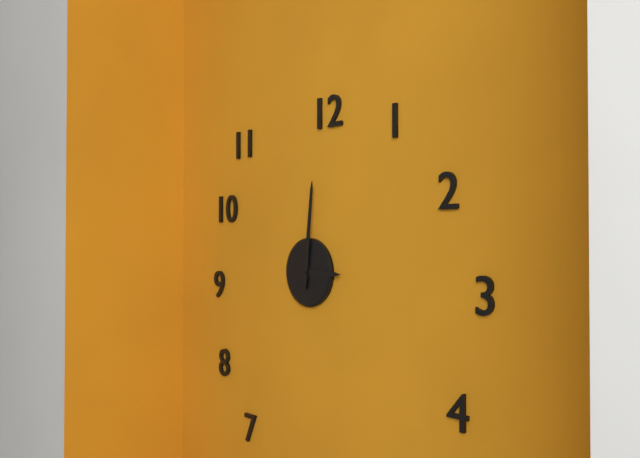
3:01
